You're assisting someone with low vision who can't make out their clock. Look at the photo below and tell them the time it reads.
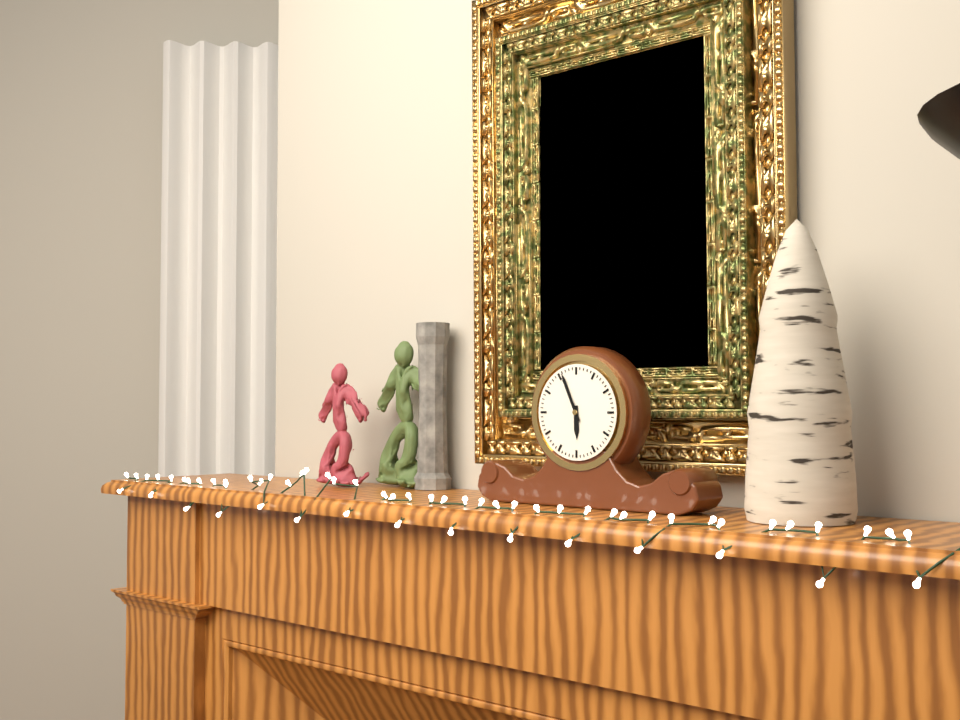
5:56
